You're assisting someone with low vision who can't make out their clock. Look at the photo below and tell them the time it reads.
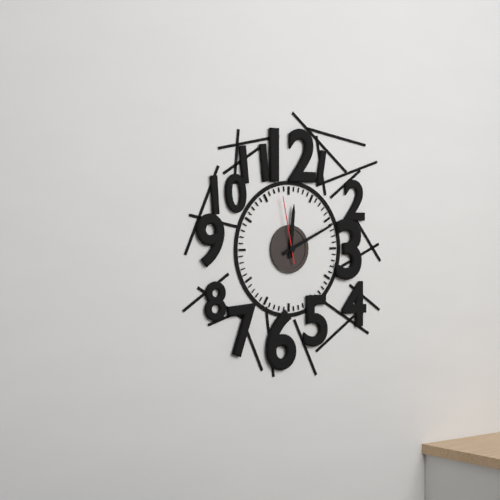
12:11:58
